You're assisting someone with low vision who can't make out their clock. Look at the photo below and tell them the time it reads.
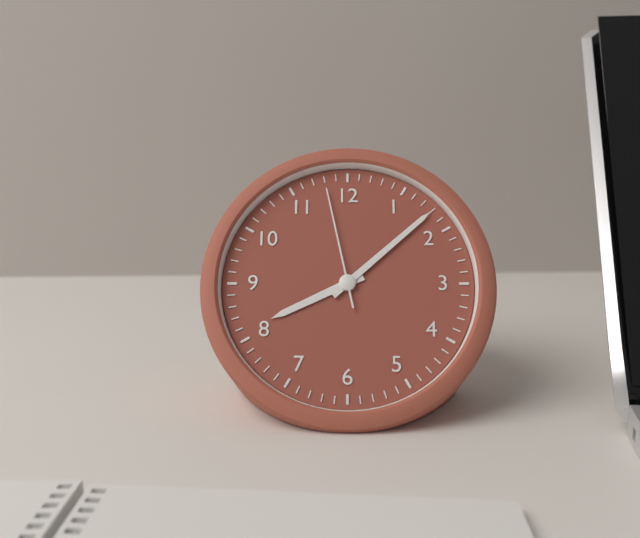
8:08:58
